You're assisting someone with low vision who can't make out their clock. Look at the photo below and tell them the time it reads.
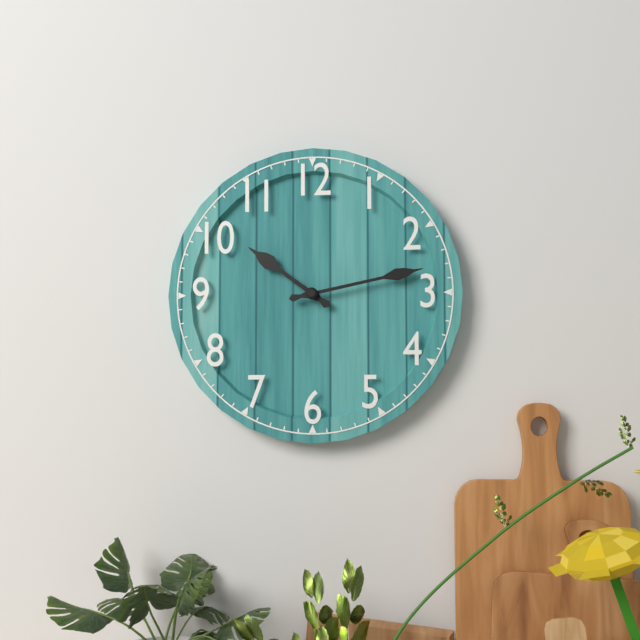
10:13
